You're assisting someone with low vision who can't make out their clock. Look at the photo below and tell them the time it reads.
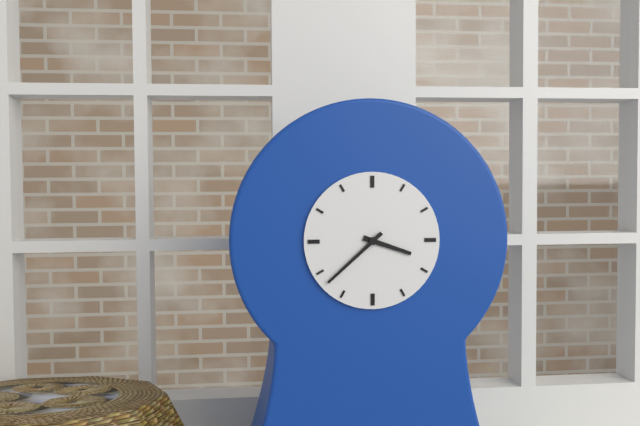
3:38
